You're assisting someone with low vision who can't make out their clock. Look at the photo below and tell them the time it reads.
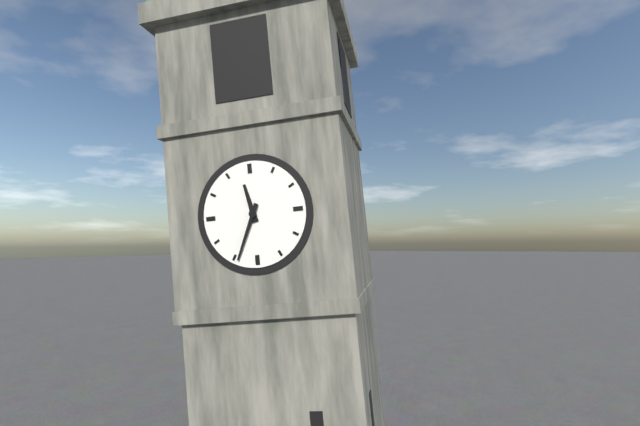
11:34
